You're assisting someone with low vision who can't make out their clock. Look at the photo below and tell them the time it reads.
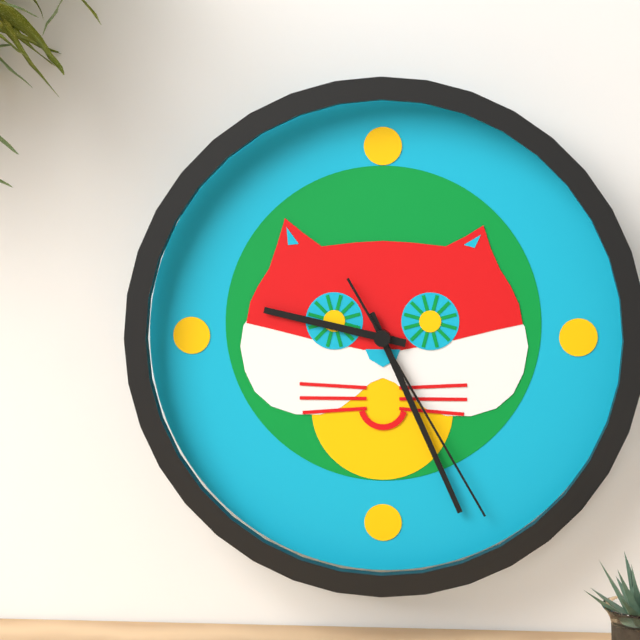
9:26:25
